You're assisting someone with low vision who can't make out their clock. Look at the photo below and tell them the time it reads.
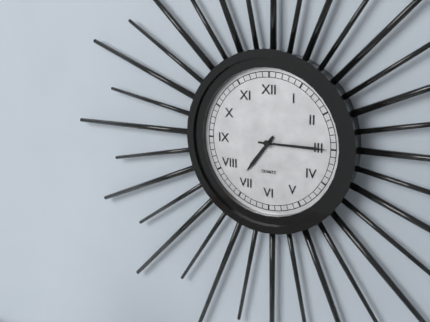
7:15
